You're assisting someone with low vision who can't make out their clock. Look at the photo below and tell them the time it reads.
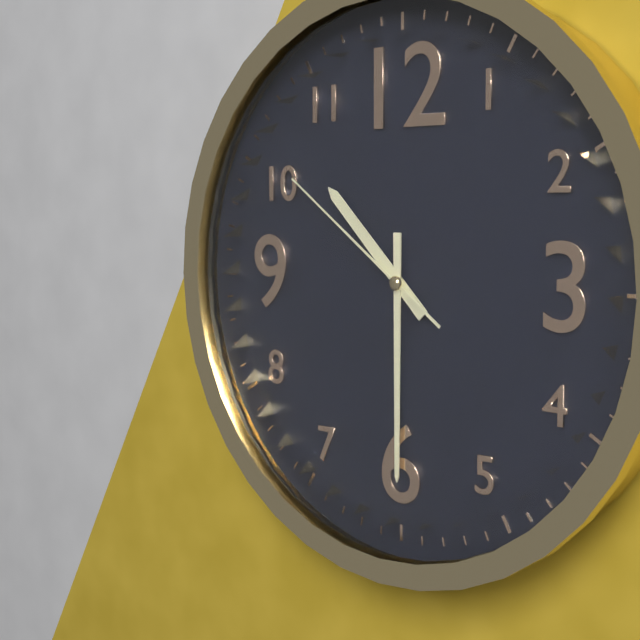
10:30:51
